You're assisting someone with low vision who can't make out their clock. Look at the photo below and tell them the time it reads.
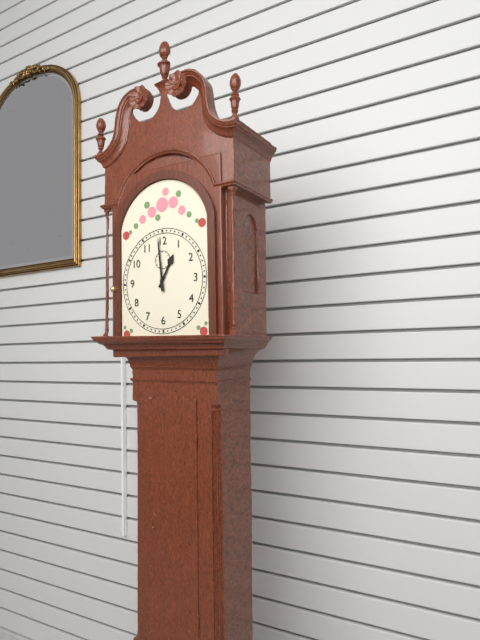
12:59
